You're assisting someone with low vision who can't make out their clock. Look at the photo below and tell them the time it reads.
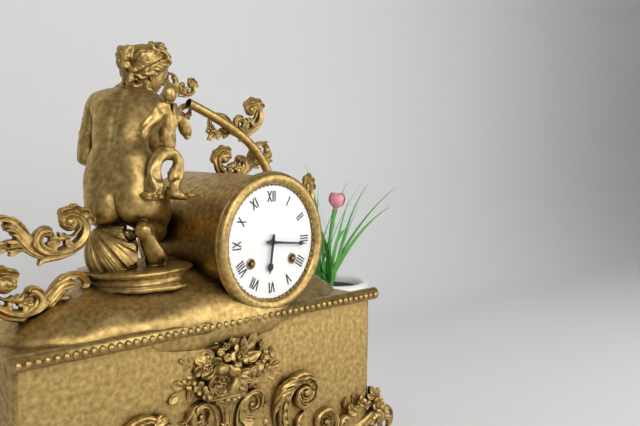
6:16
